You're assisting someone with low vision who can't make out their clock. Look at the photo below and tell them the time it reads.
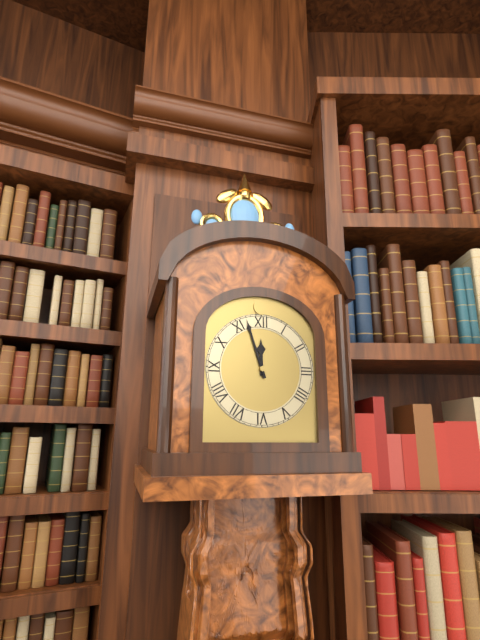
11:57
